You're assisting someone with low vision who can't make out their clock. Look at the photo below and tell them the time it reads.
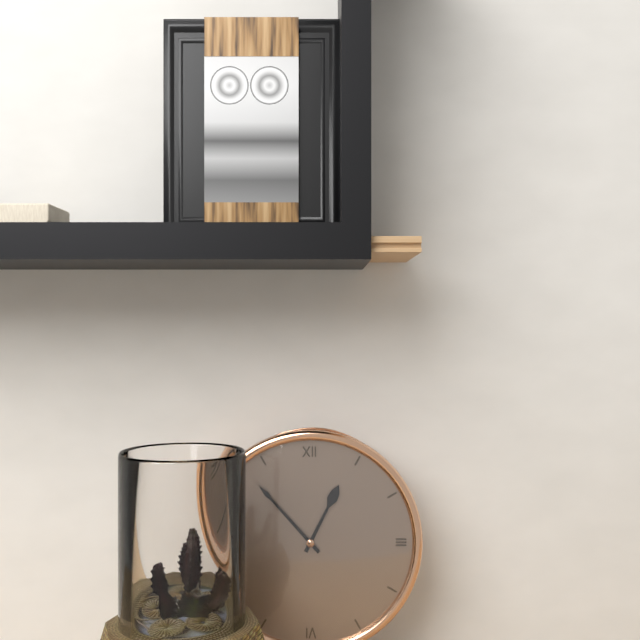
12:53
